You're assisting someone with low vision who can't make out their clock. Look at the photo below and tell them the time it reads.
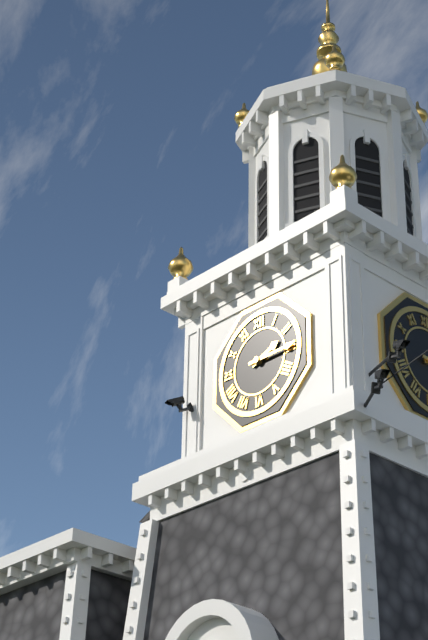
2:15
